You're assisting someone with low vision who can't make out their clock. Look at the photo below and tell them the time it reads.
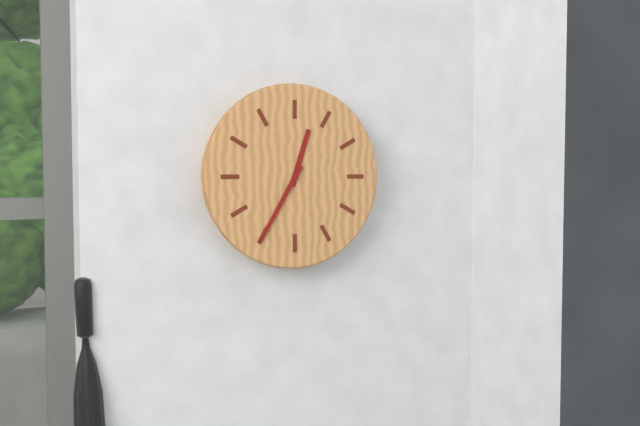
12:35
